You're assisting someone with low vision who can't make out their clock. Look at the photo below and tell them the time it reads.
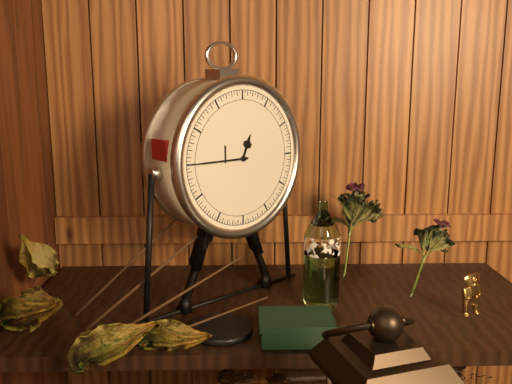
12:45
